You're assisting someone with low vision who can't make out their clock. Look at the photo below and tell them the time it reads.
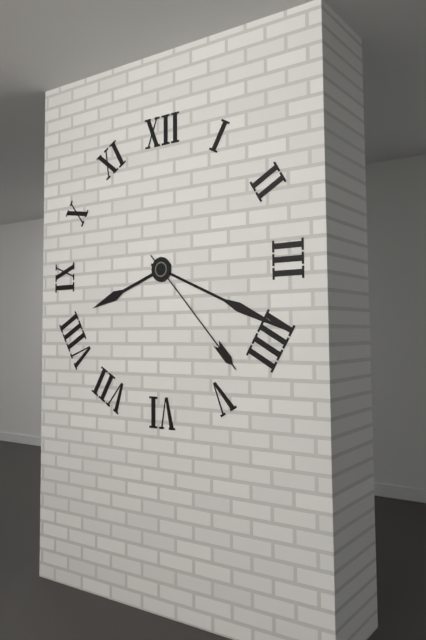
8:19:23
